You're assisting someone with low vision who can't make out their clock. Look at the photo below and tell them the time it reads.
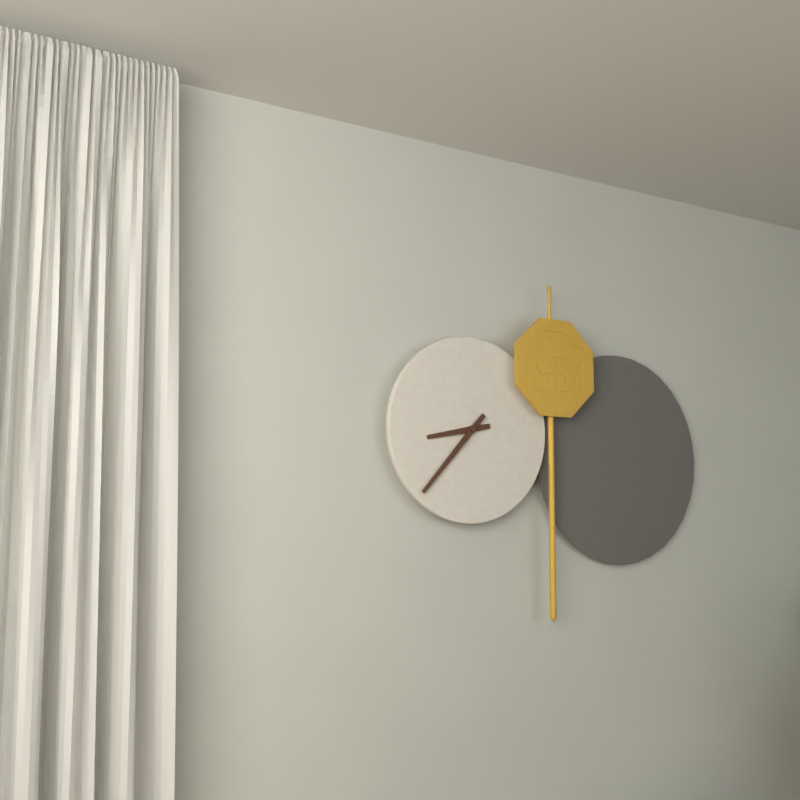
8:37
